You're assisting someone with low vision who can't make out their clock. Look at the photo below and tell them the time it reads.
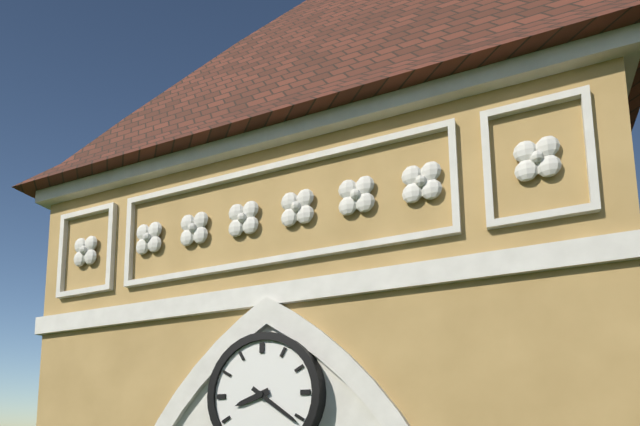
8:21
